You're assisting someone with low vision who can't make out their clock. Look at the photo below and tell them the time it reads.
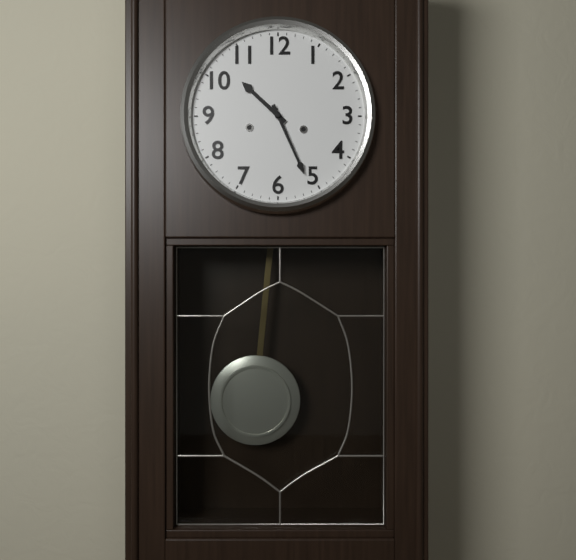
10:26
